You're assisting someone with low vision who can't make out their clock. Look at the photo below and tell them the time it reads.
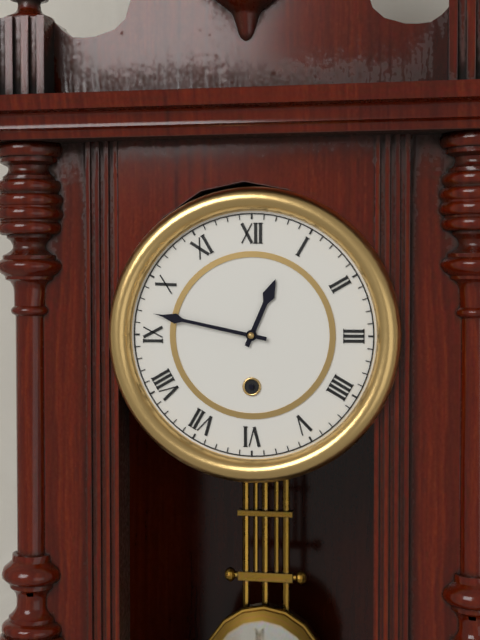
12:47
